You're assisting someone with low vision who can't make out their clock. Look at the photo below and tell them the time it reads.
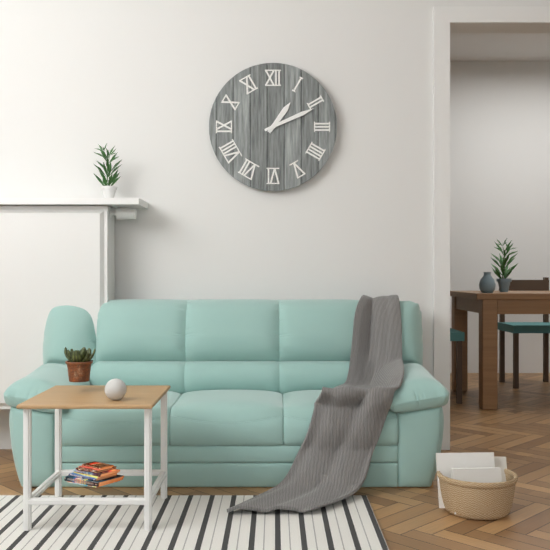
1:11
